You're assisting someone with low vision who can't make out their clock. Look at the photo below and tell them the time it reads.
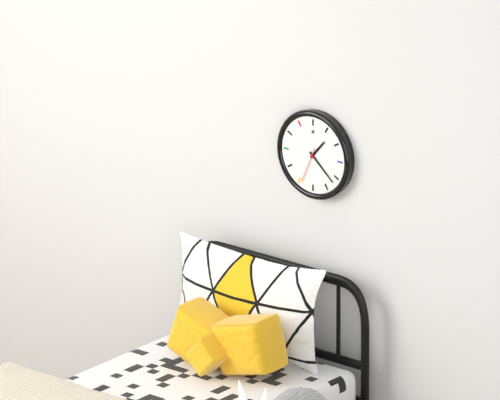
1:22
